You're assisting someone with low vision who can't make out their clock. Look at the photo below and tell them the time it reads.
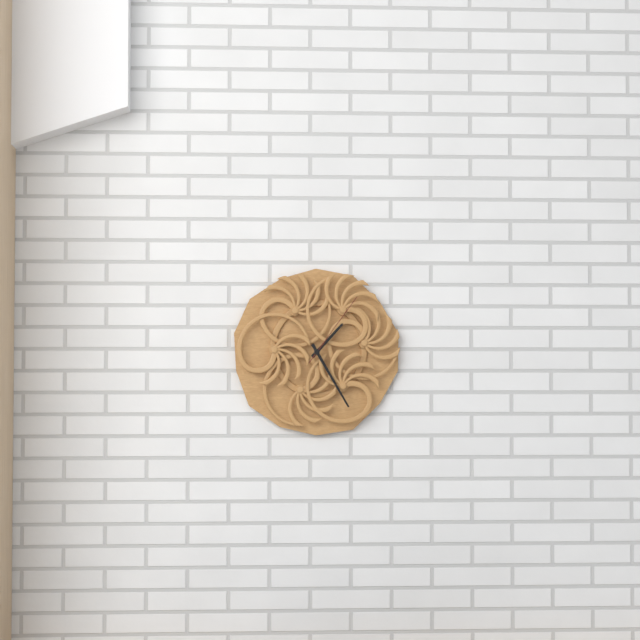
1:25:06
